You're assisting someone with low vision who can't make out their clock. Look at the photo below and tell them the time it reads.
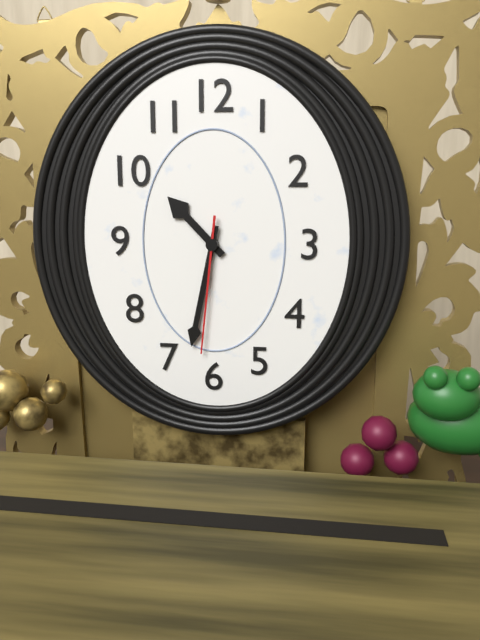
10:32:31
